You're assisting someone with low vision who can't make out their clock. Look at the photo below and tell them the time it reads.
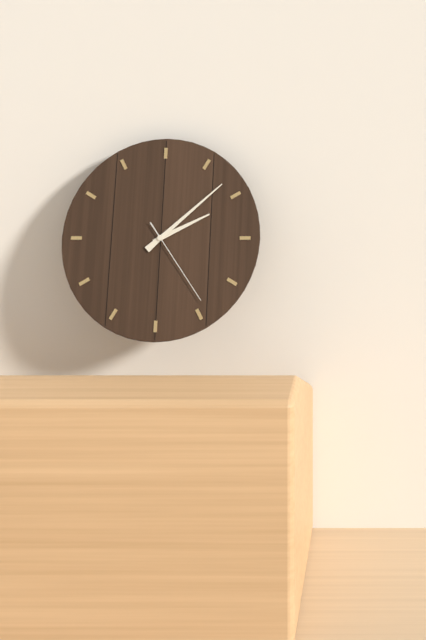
2:08:24
